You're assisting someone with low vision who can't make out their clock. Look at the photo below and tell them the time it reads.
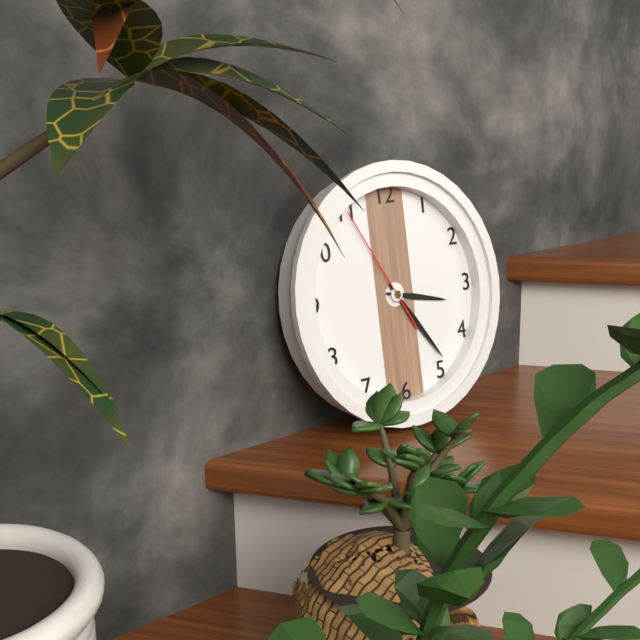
3:24:55
